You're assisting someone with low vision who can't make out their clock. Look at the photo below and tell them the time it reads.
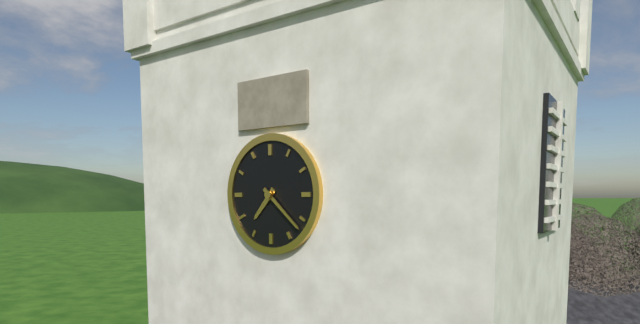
7:22
